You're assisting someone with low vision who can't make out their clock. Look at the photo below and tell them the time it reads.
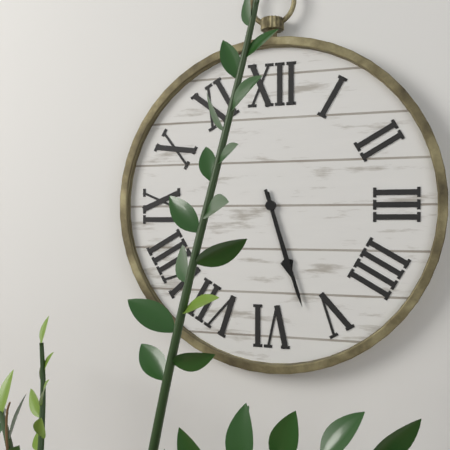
5:27
